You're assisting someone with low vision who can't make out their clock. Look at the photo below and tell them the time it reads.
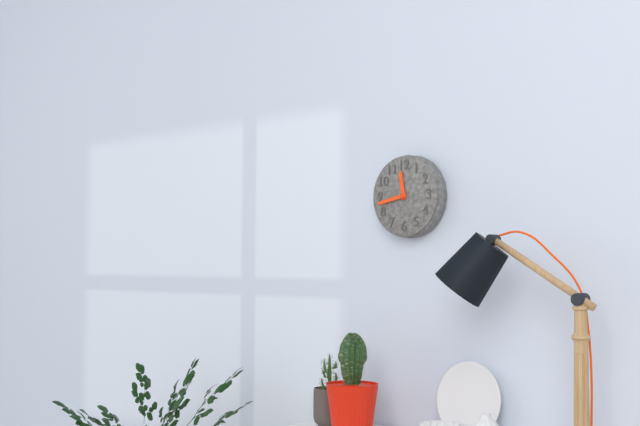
11:43
